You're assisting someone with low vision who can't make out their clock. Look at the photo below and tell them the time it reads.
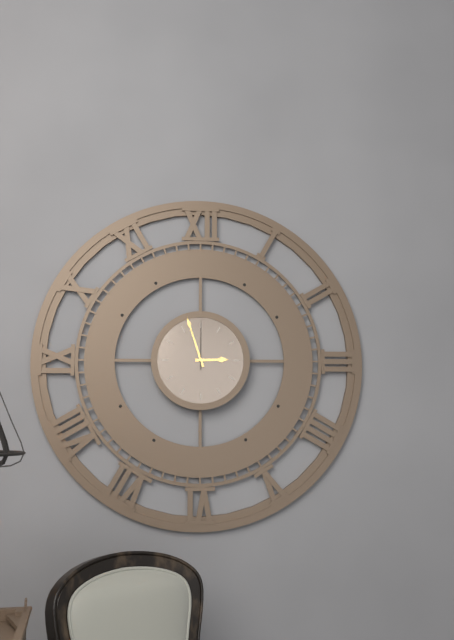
2:57
